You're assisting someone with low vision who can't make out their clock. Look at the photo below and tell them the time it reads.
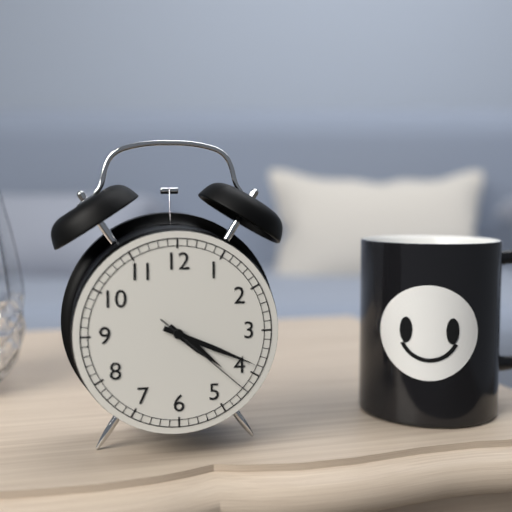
4:19:22
